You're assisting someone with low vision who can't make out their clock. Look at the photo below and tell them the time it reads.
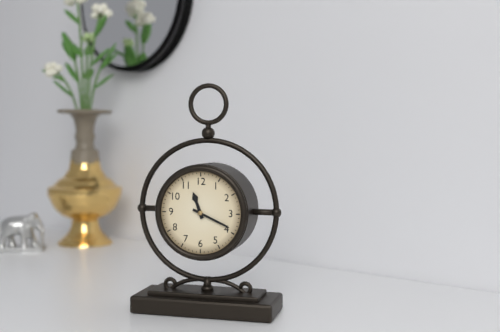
11:19
